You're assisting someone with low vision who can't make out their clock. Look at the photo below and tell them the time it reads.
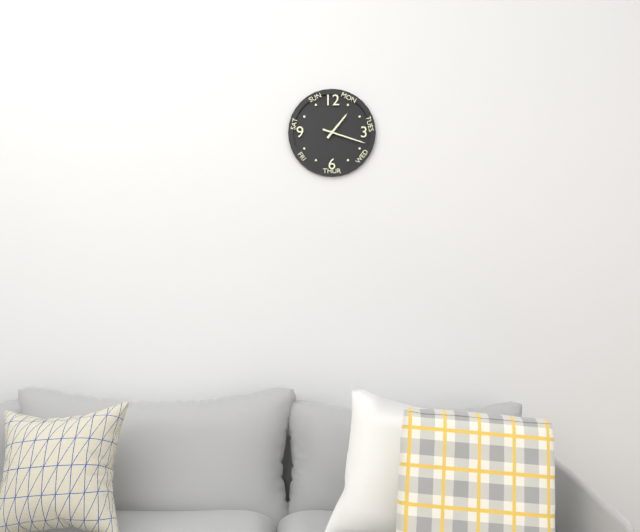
1:18
